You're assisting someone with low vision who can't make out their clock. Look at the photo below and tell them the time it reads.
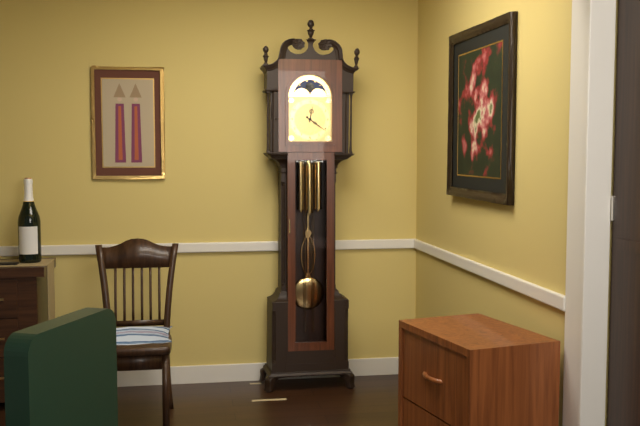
12:21
